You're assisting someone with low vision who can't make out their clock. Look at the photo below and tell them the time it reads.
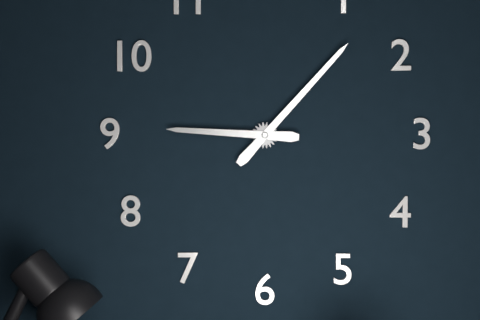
9:07
